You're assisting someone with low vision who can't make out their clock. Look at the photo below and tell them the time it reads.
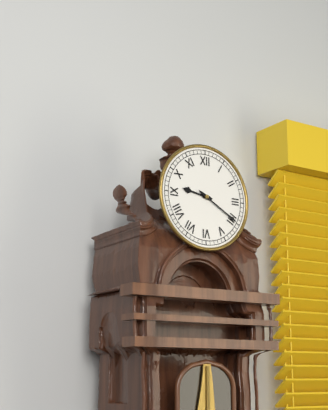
9:20
